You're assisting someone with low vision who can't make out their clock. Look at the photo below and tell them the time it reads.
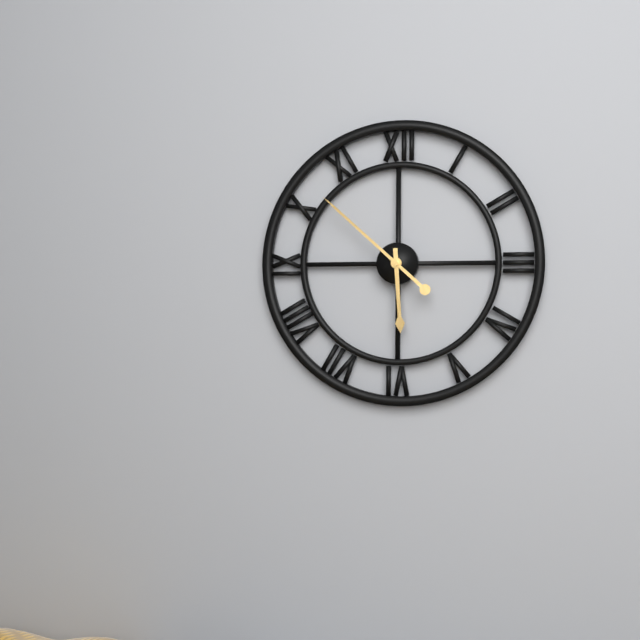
5:52
